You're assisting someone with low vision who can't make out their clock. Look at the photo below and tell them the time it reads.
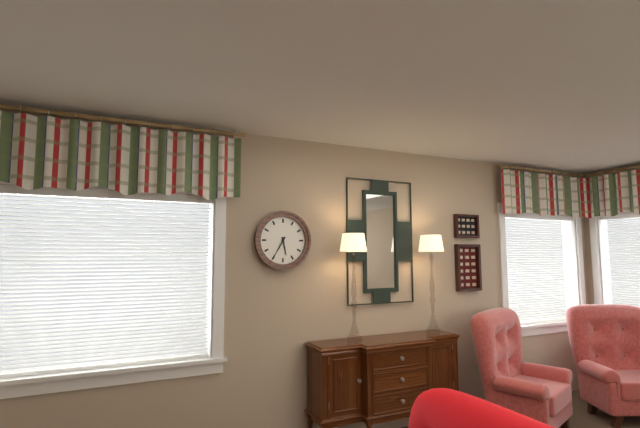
5:35
